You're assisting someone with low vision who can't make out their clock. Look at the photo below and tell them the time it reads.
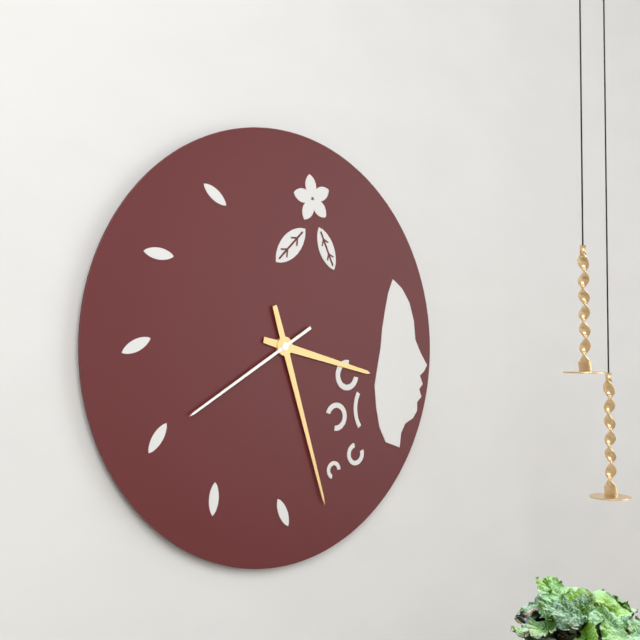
3:27:40
